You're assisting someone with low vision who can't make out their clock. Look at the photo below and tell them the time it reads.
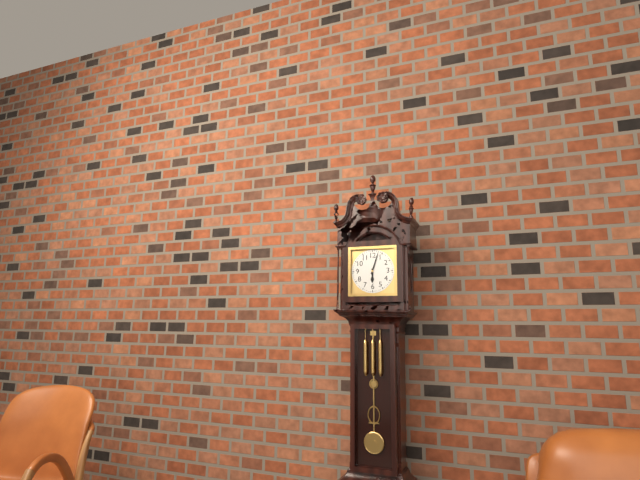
6:03
